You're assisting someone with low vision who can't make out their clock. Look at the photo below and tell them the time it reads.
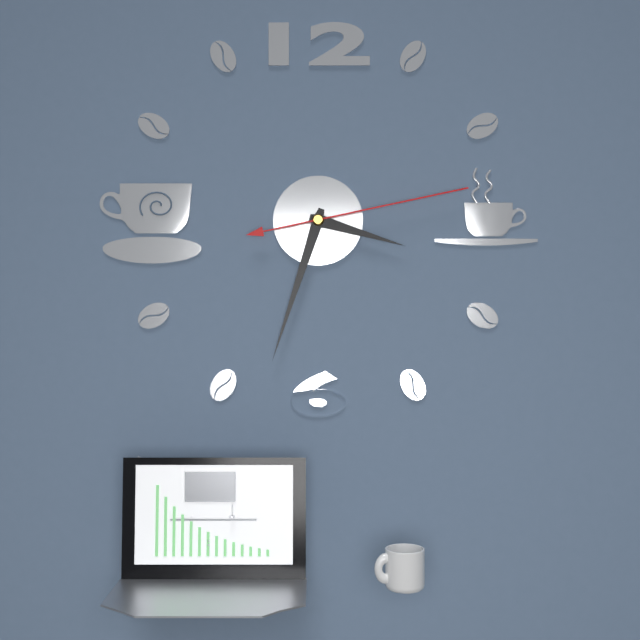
3:33:13
